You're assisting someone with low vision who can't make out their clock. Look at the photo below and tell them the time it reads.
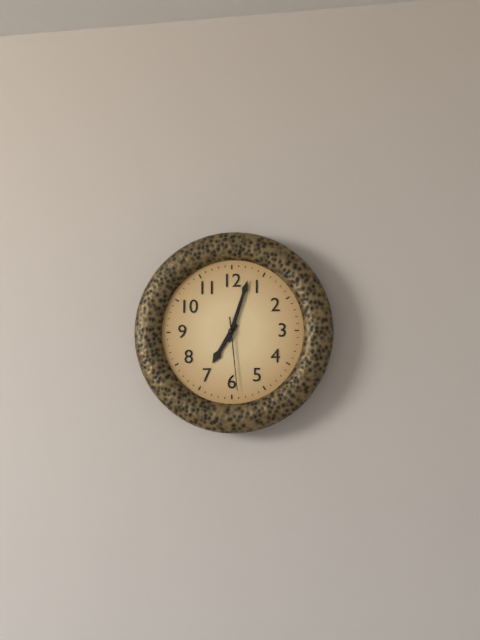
7:03:29
